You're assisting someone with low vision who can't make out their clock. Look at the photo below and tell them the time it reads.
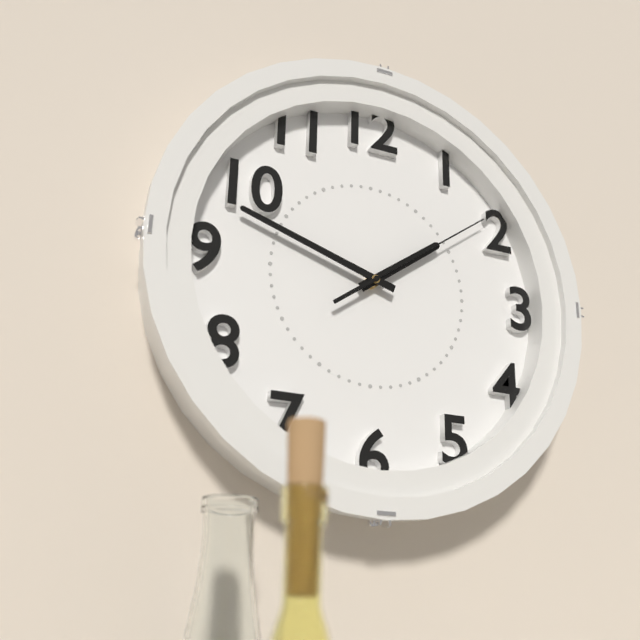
1:48:09
